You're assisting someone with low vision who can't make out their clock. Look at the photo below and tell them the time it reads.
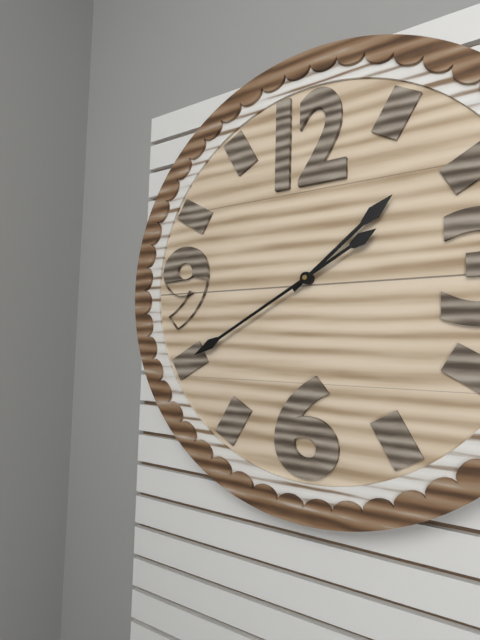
1:40
